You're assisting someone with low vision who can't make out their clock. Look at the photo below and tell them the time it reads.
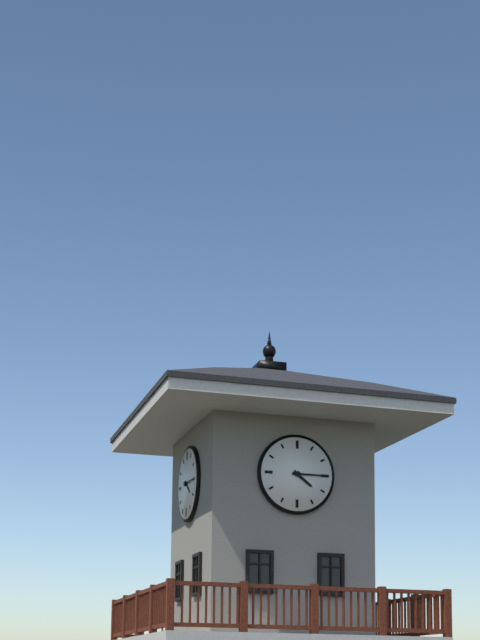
4:15
